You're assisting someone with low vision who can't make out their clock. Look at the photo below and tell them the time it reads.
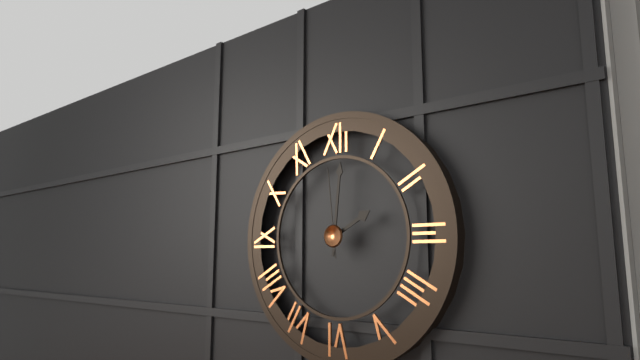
2:01:59
